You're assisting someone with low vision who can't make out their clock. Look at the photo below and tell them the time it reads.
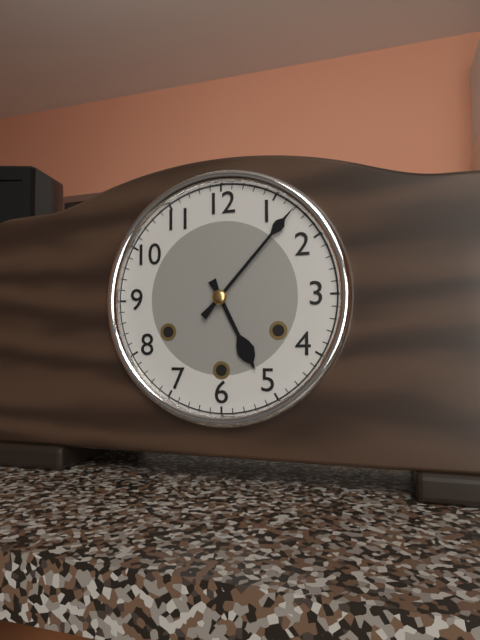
5:07
